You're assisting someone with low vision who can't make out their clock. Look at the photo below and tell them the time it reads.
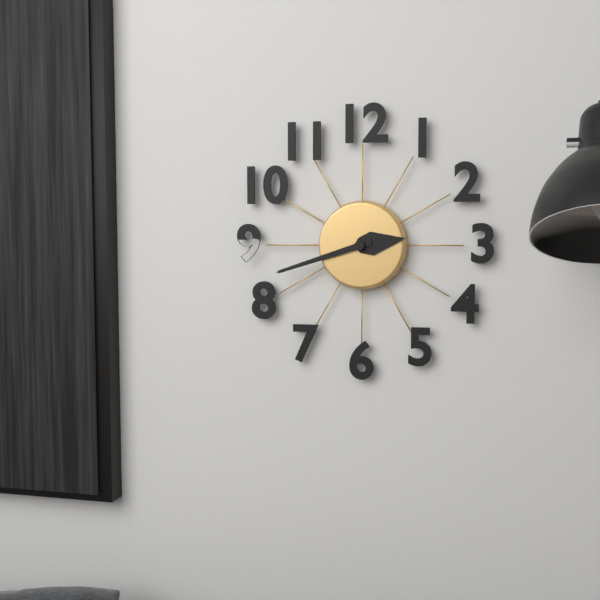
2:42
